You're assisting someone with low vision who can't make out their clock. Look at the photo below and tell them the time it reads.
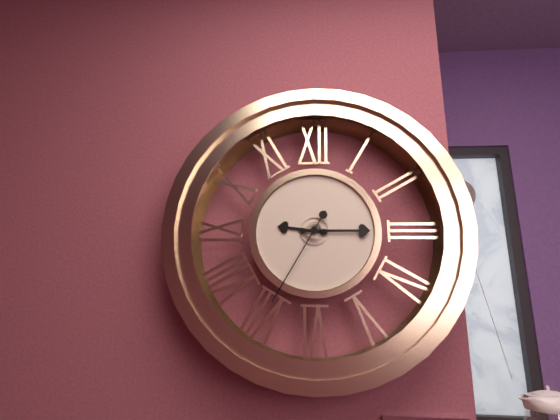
9:15:35
